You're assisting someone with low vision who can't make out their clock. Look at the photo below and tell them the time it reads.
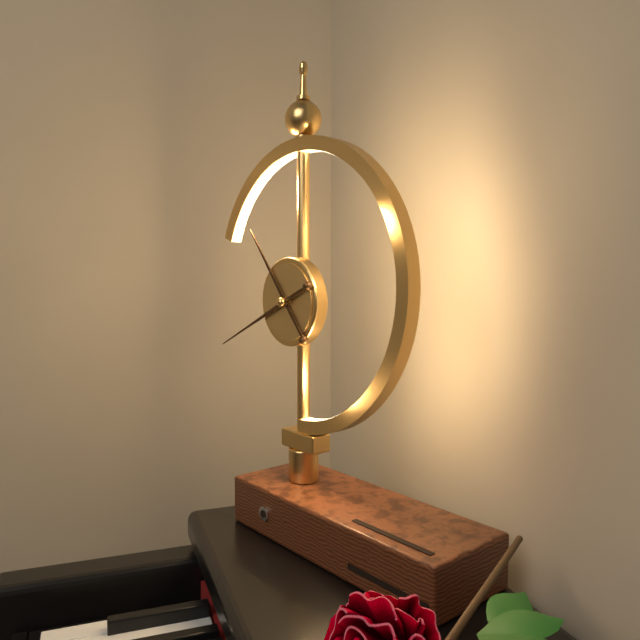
10:41
